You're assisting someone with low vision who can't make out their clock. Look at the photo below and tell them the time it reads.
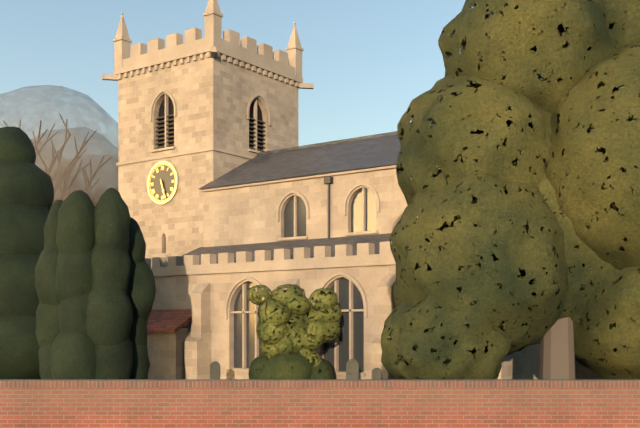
5:27
